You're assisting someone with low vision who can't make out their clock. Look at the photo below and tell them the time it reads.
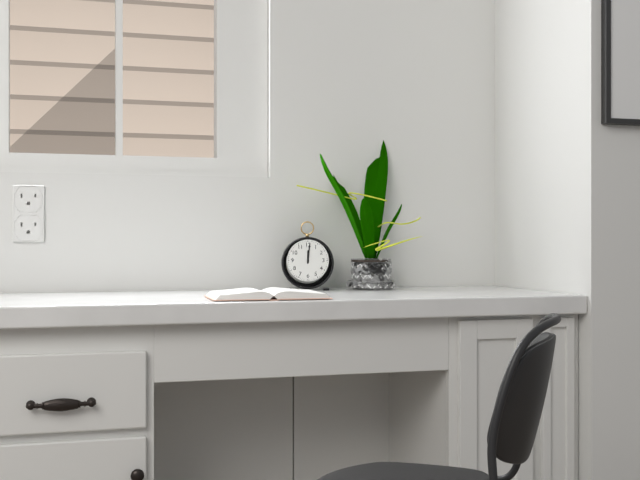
12:01
